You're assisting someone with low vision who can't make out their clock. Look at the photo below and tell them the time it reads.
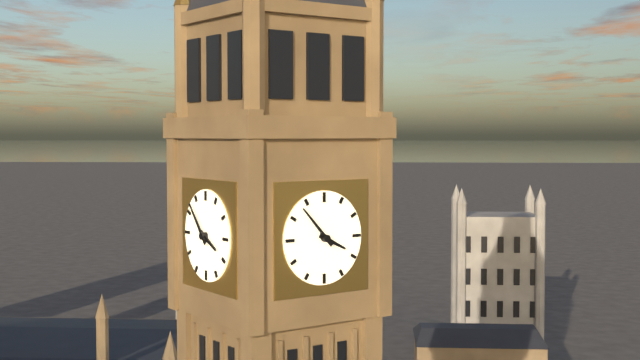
3:53
